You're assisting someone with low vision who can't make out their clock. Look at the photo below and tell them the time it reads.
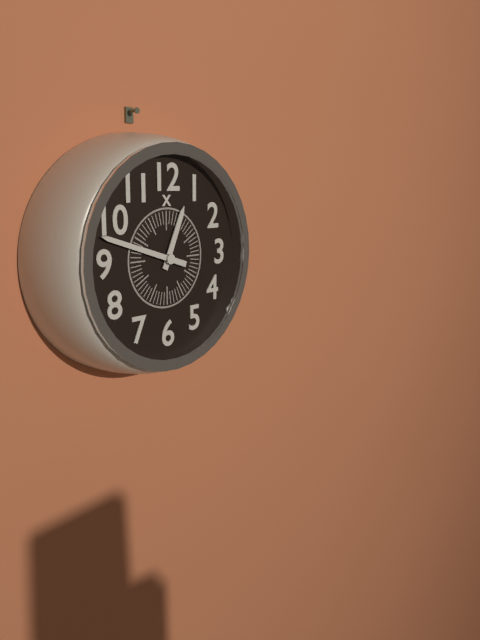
12:48
